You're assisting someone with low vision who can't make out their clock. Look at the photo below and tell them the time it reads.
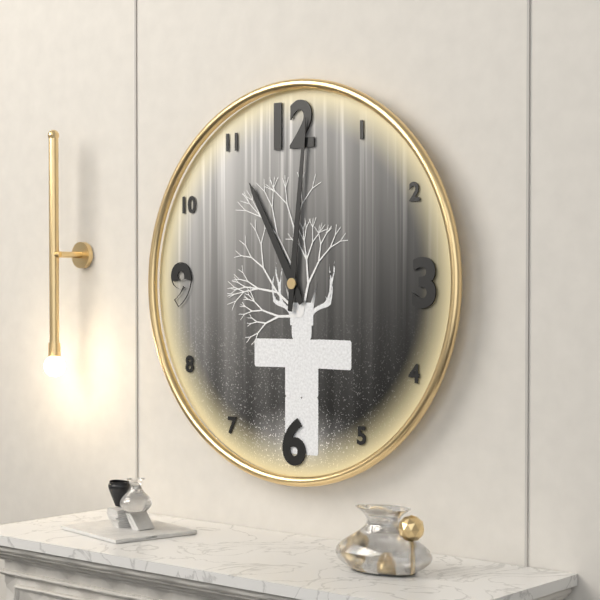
11:01
